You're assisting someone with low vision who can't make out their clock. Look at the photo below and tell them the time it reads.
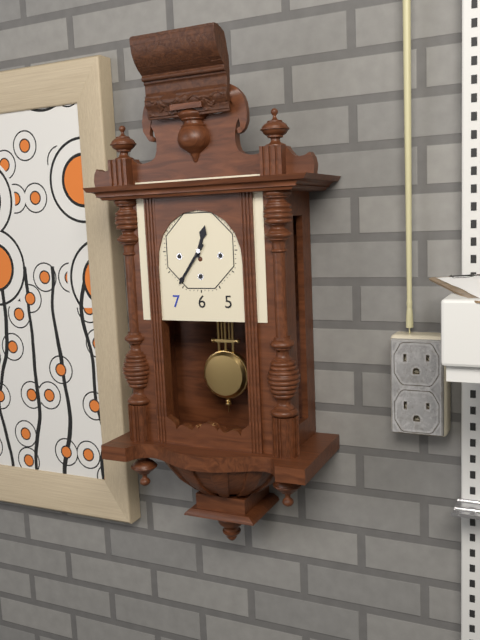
12:36
